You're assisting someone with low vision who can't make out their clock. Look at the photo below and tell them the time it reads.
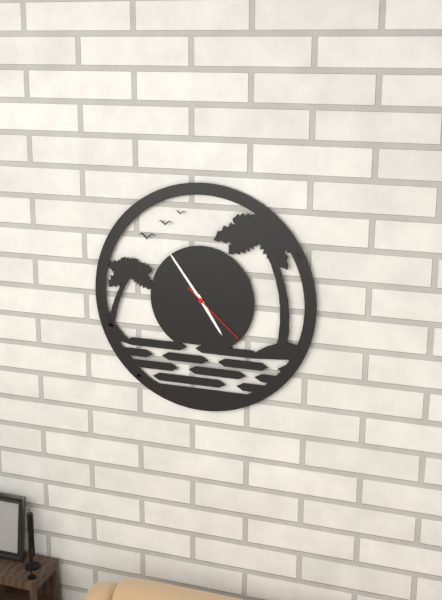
4:54:22
